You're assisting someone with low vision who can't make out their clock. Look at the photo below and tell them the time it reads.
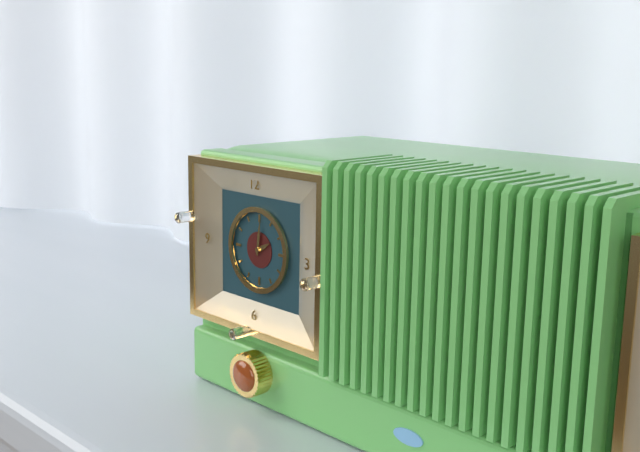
2:01
